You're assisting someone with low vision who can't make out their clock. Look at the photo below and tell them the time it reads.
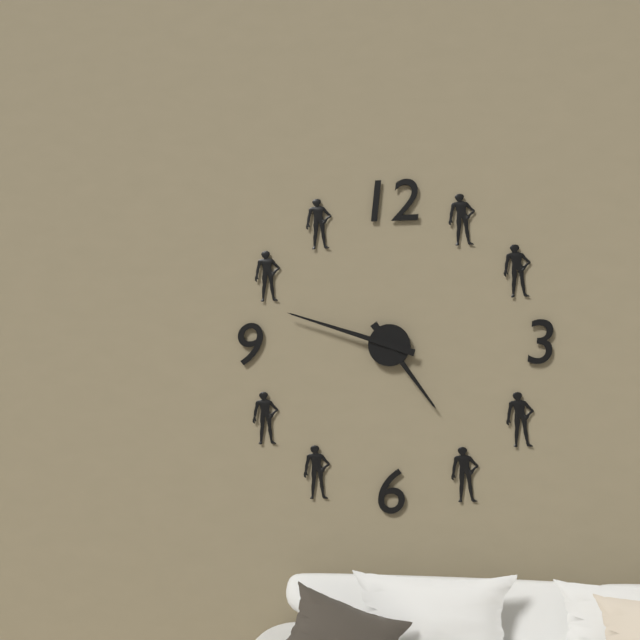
4:48
